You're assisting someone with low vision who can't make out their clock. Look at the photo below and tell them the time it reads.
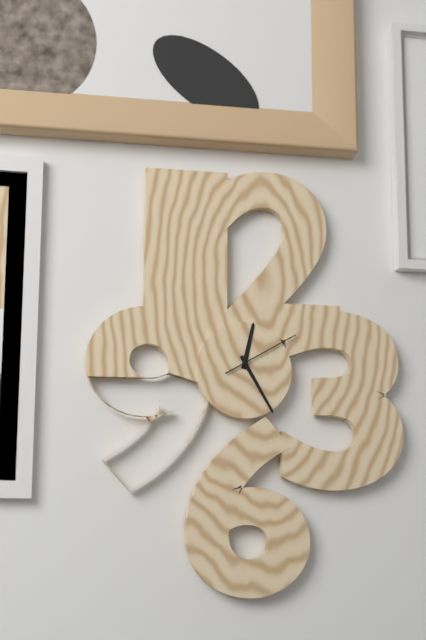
12:25:10
